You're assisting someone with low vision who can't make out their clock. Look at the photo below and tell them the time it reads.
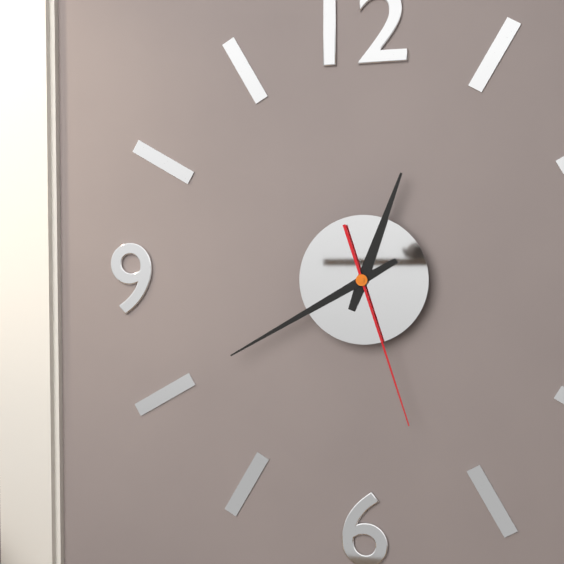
12:40:27
